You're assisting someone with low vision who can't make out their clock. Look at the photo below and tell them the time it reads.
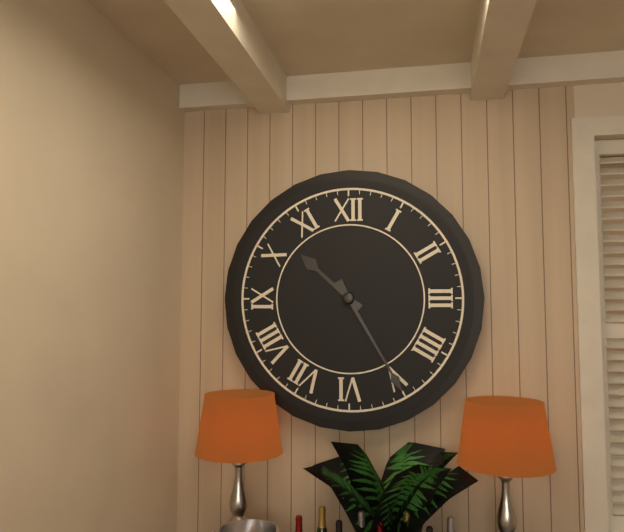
10:25
